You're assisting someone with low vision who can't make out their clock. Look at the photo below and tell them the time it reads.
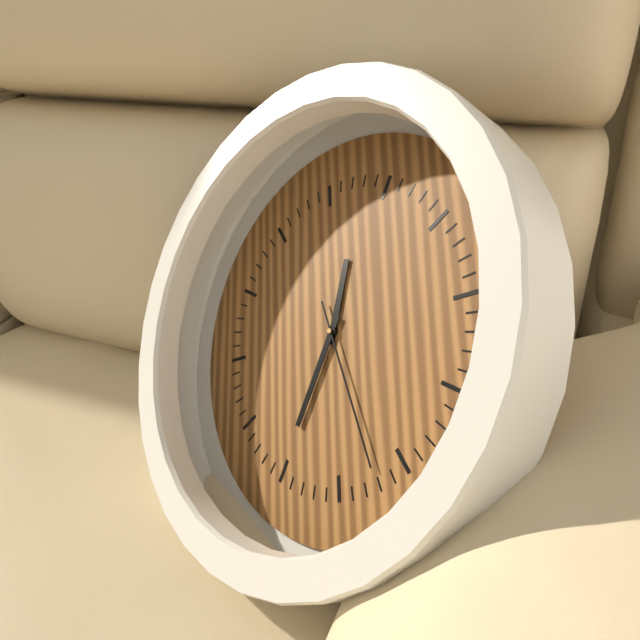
12:35:27
